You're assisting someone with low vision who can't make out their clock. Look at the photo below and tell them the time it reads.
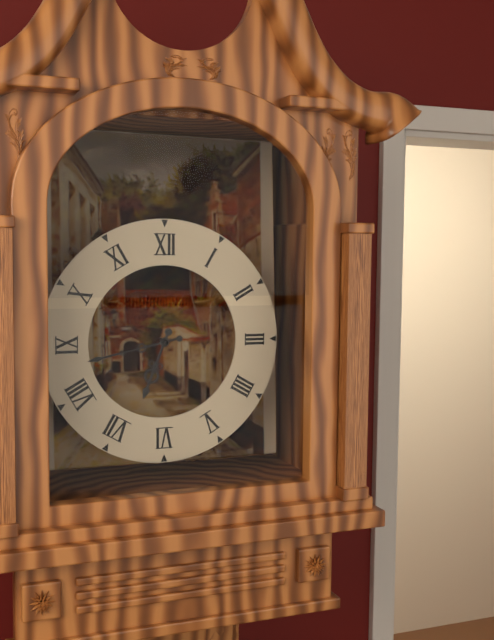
6:43
